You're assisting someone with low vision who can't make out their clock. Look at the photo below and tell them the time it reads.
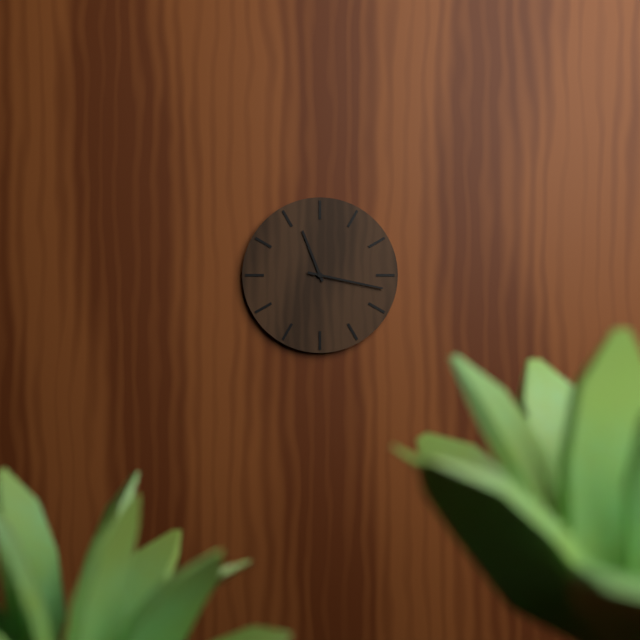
11:17
